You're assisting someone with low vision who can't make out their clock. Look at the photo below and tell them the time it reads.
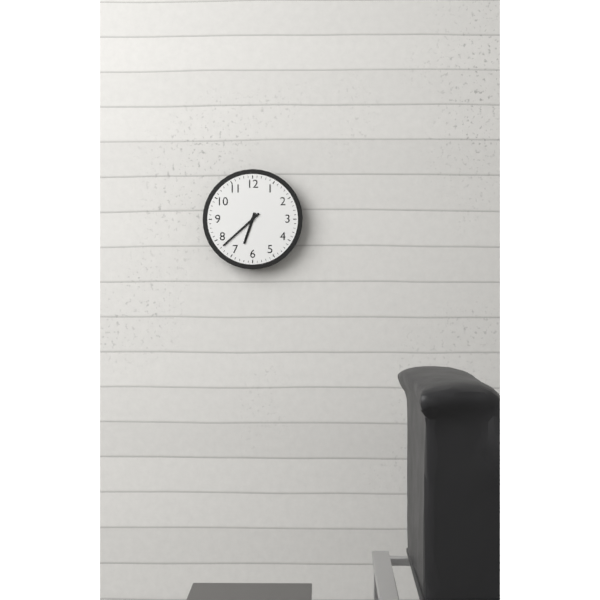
6:38
